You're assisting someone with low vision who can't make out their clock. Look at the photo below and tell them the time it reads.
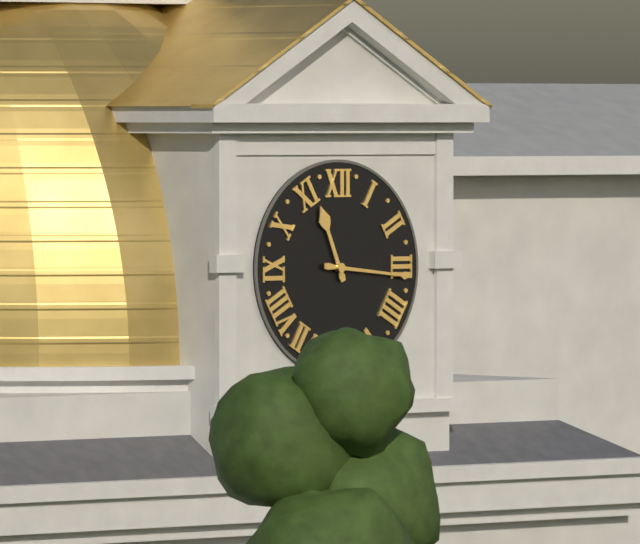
11:16
